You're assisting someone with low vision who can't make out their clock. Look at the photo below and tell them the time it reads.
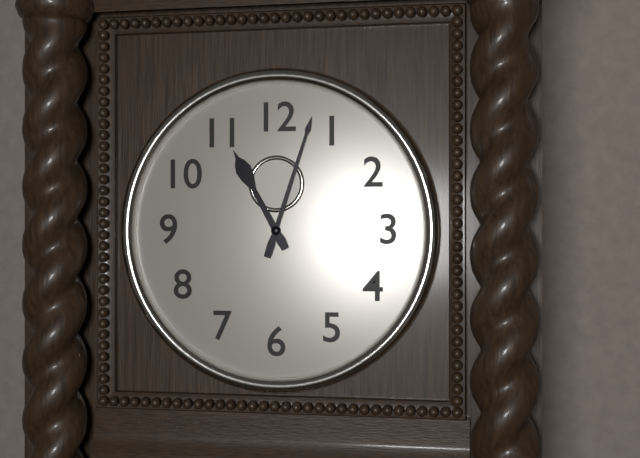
11:03
